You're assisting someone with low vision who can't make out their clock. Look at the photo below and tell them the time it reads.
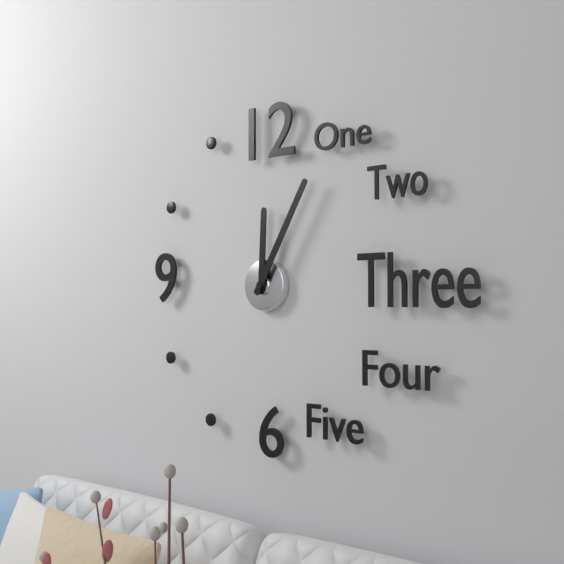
12:05
